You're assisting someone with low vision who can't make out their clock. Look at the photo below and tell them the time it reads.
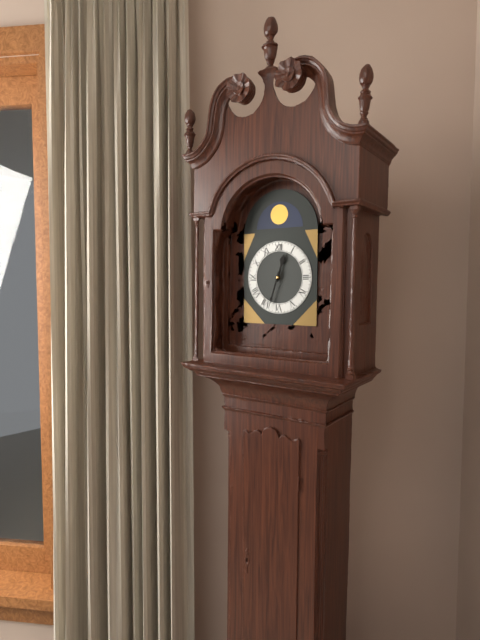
12:33
